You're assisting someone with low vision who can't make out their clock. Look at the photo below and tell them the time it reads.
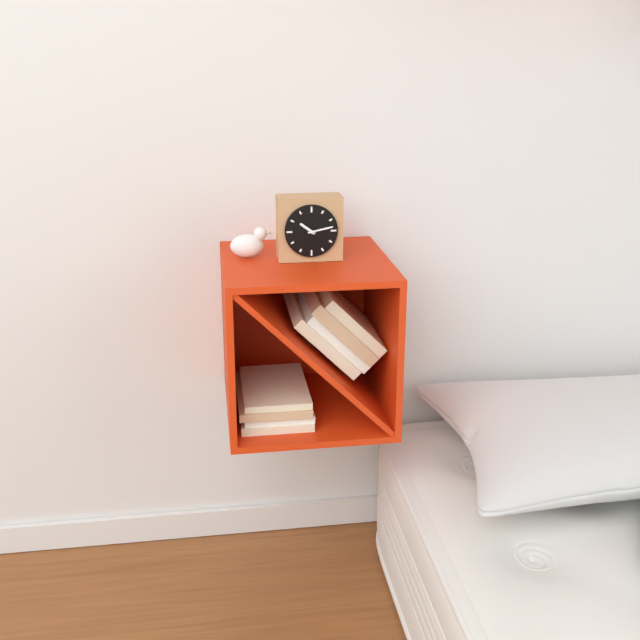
10:13
